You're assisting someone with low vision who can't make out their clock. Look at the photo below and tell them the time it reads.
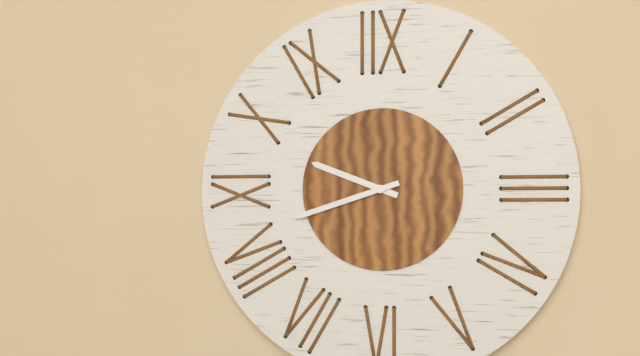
9:42
